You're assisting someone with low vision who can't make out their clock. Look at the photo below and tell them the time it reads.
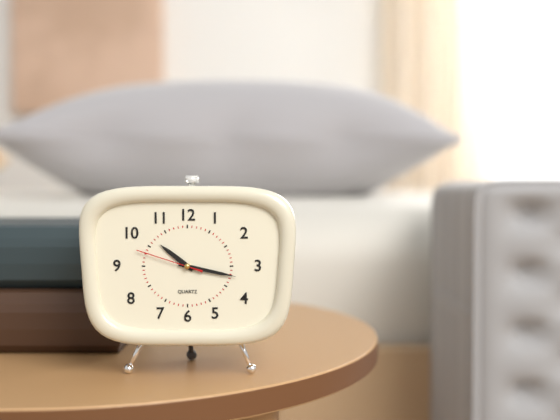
10:17:48
